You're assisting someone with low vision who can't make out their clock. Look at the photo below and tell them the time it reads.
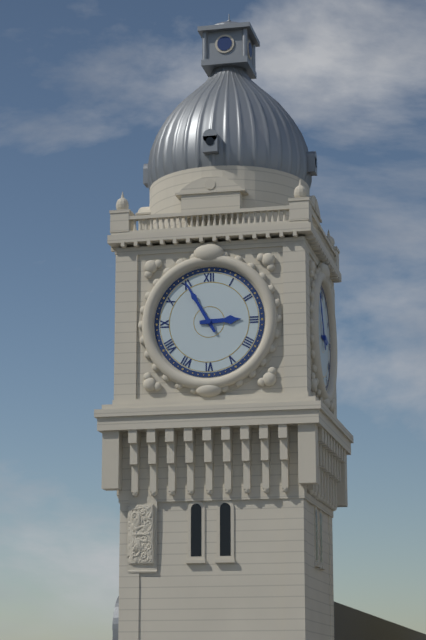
2:55
